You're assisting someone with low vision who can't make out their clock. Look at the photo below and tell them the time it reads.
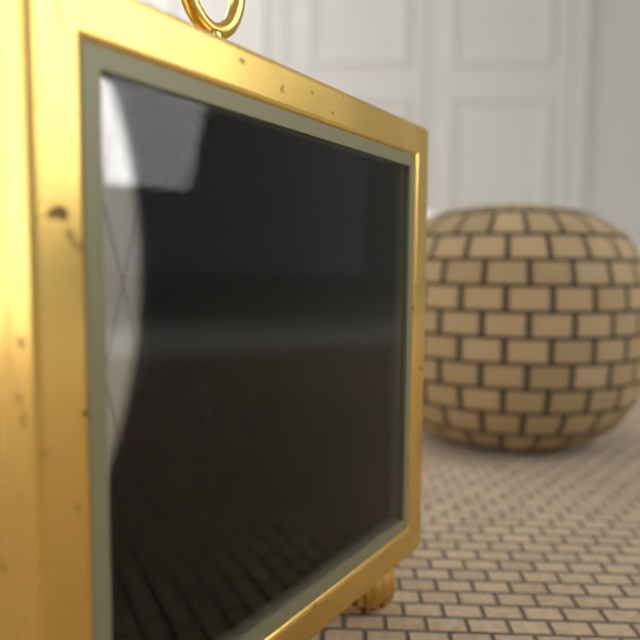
7:35
